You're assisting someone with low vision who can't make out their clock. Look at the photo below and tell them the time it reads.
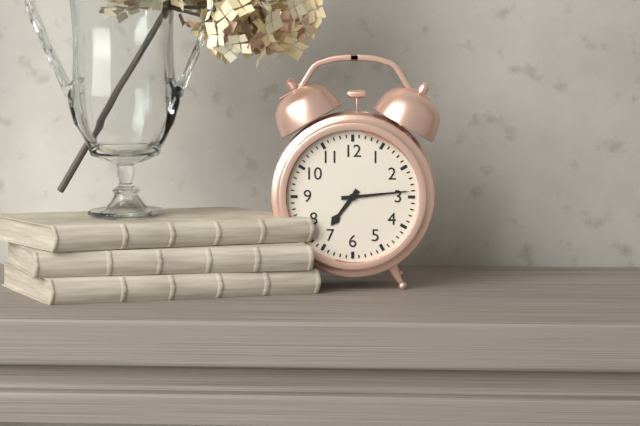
7:14
